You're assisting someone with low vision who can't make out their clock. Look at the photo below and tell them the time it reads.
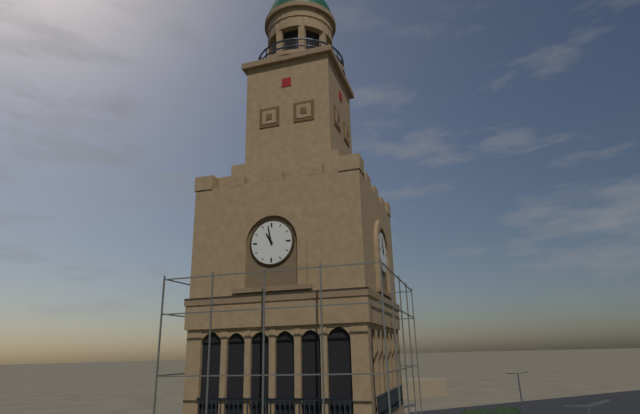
10:58
